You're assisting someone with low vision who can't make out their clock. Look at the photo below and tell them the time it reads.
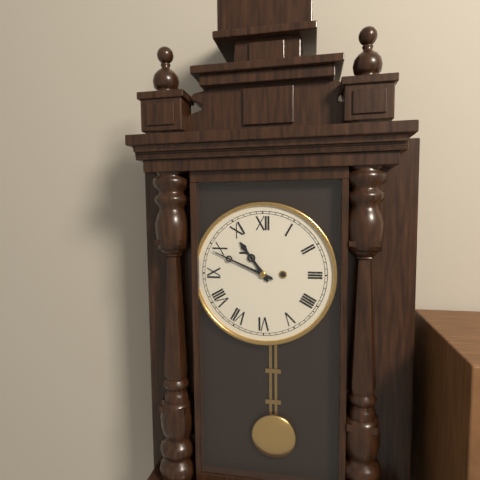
10:49
